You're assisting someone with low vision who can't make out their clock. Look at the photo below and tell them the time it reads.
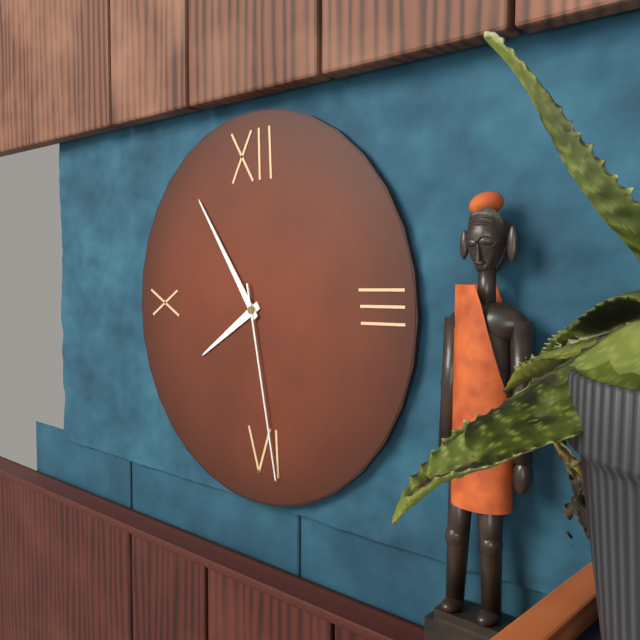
7:54:28
